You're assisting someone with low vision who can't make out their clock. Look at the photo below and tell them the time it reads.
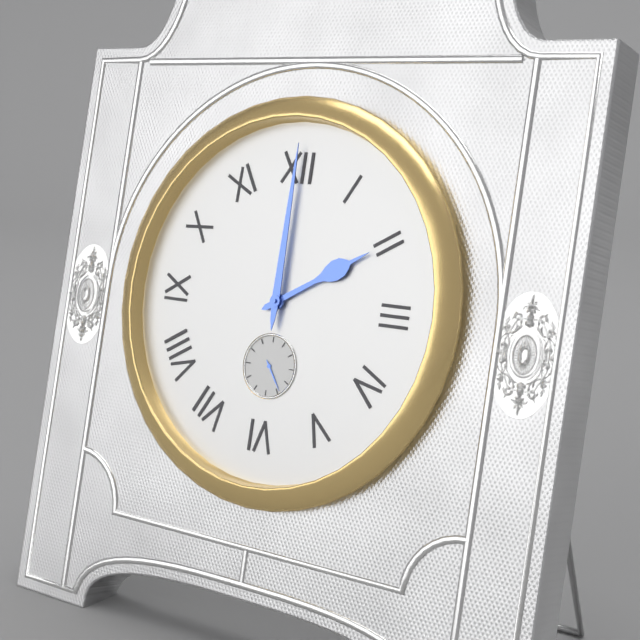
2:00
